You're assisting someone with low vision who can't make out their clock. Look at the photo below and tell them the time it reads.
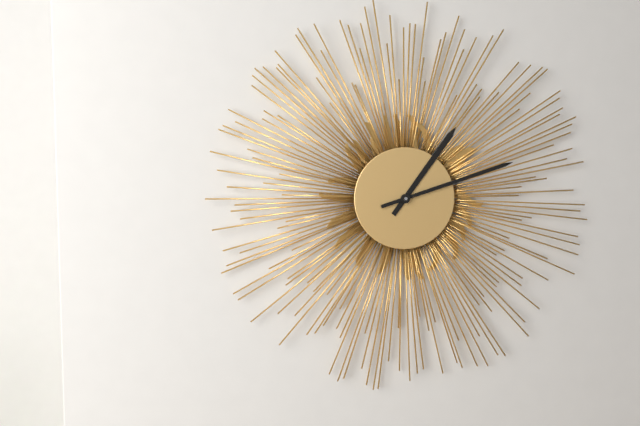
1:12
